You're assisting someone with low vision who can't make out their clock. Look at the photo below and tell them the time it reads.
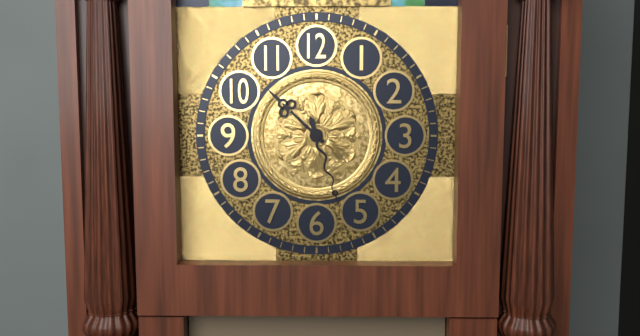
10:27
